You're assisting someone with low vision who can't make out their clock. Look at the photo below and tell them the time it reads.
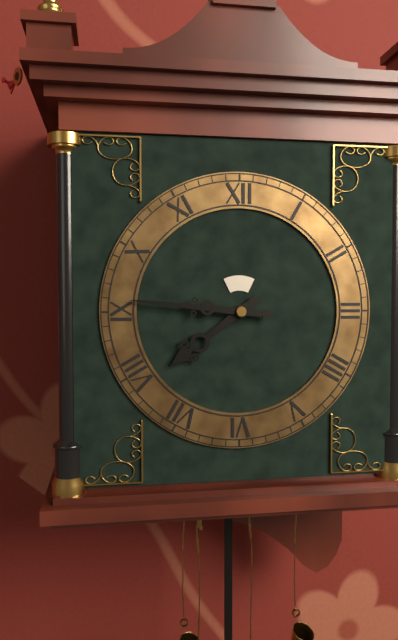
7:46
